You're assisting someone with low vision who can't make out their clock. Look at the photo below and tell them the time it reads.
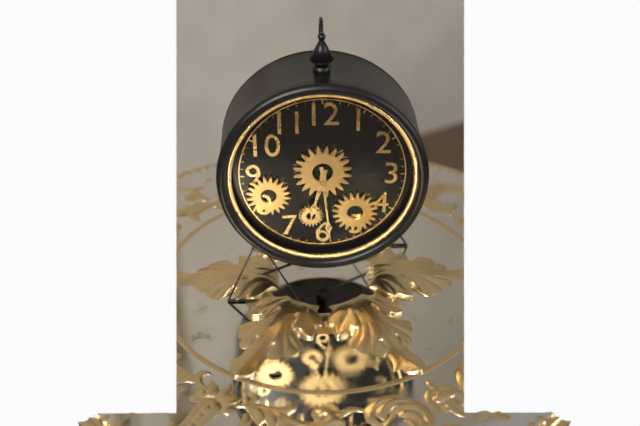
6:29
